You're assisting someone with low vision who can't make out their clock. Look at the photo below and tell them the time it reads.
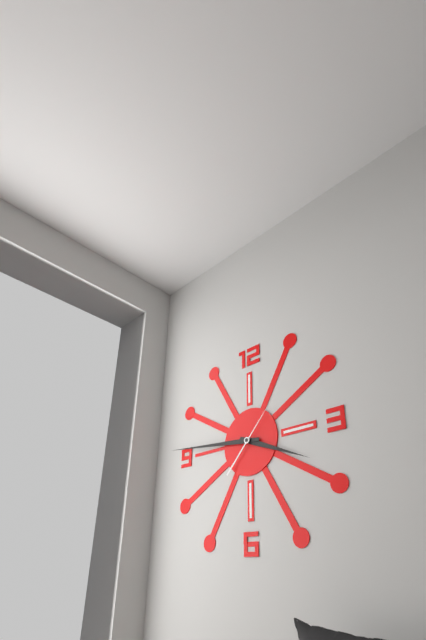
3:46:07
